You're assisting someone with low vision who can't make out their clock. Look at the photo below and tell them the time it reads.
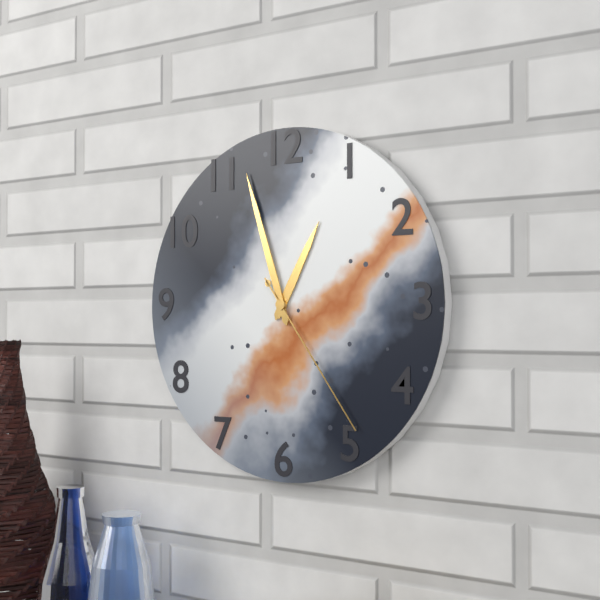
12:57:24
